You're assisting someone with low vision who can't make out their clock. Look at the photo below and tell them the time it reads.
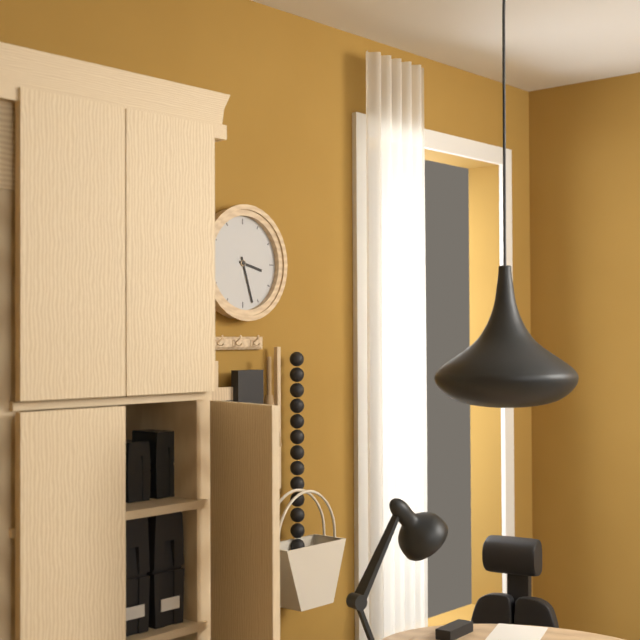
3:27
